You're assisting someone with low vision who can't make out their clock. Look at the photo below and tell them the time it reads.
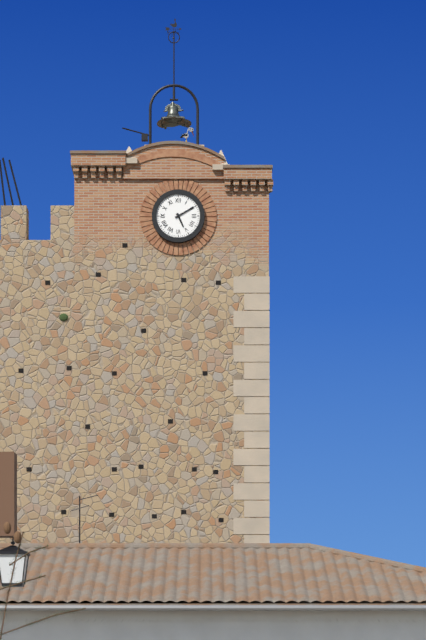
5:10
